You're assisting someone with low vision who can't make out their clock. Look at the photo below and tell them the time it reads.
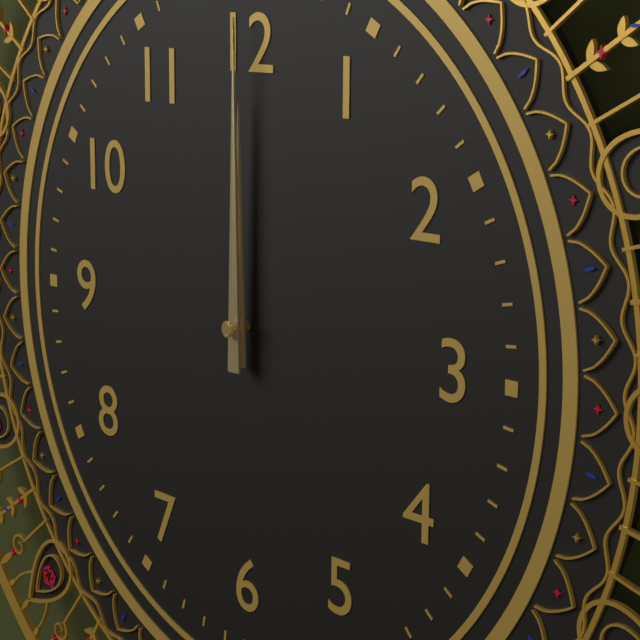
12:00
